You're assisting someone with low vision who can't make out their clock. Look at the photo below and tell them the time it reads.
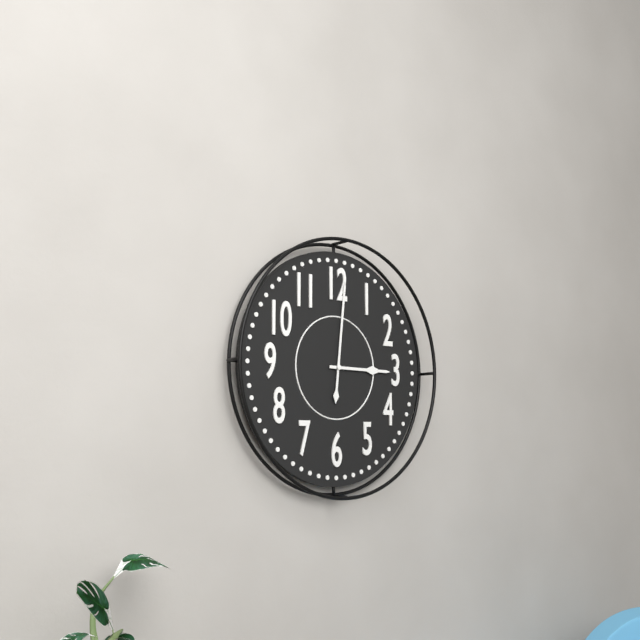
3:01
